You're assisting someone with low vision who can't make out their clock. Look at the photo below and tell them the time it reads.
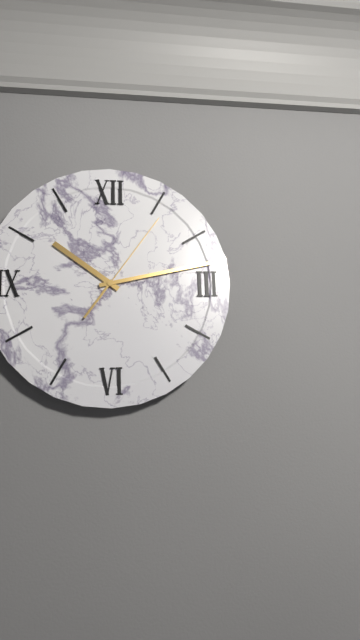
10:13:06
